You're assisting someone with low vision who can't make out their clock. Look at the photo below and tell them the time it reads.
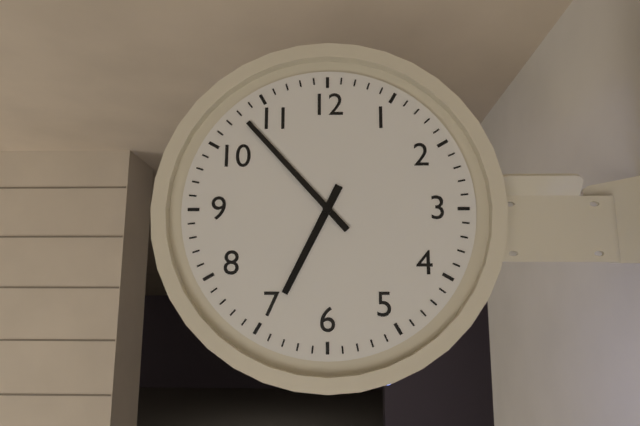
6:53
